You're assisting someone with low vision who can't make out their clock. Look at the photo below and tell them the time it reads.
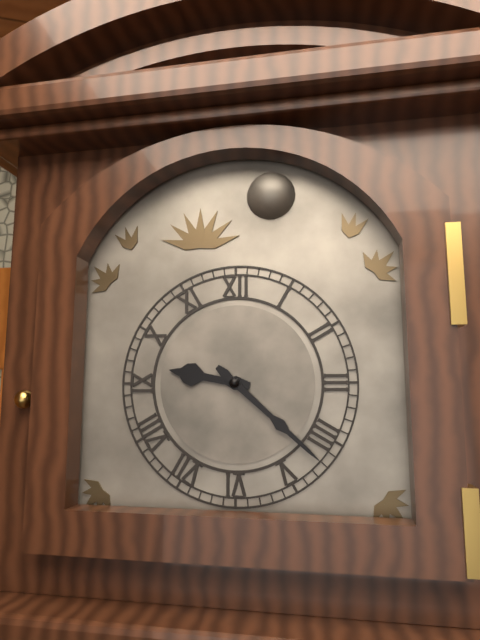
9:22
